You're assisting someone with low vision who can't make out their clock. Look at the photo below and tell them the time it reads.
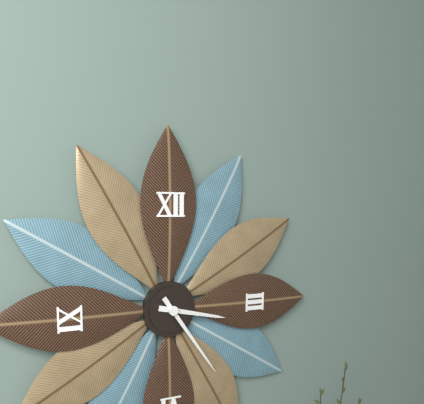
3:24
